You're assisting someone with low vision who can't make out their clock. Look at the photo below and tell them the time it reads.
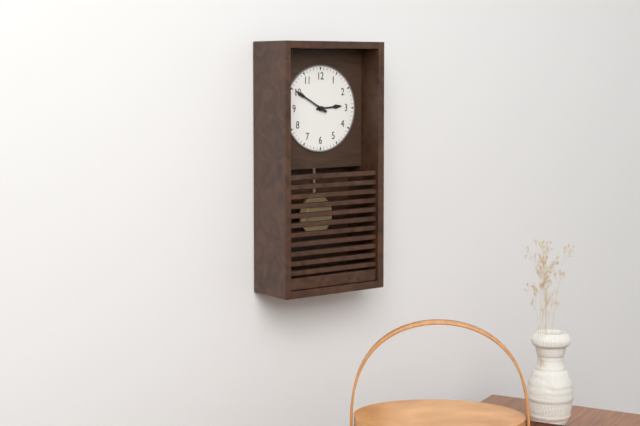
2:50
